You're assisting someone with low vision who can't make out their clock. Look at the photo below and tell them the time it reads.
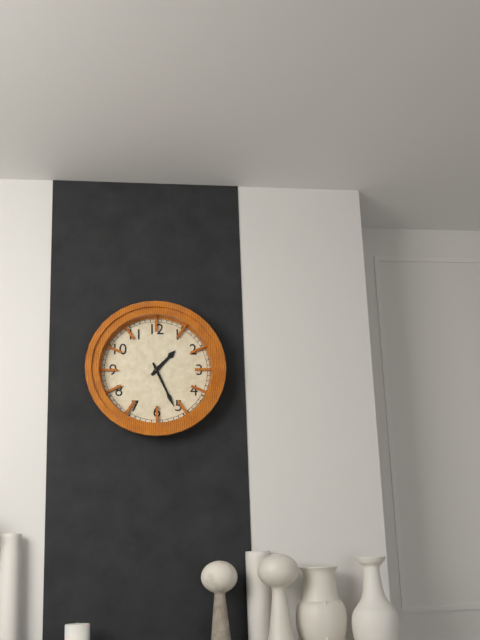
1:26
